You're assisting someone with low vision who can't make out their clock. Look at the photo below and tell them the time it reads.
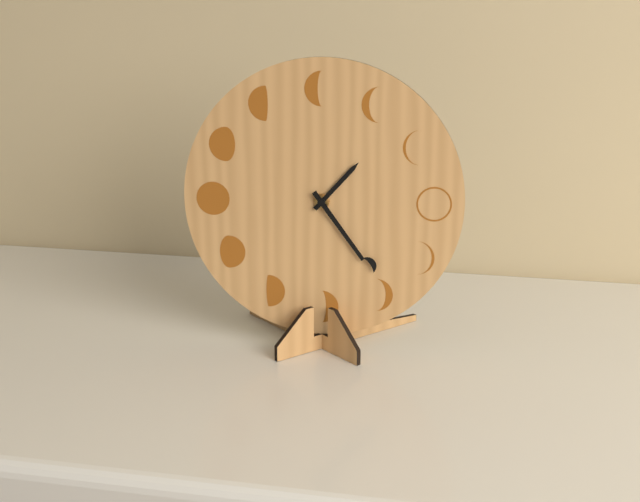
1:24
